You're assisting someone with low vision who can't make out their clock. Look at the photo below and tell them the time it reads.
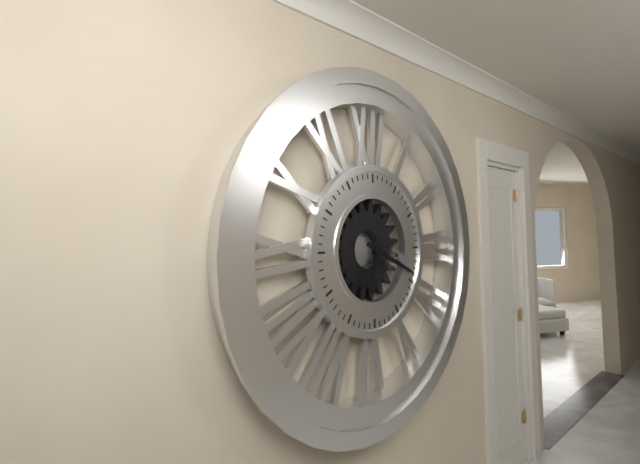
6:19
